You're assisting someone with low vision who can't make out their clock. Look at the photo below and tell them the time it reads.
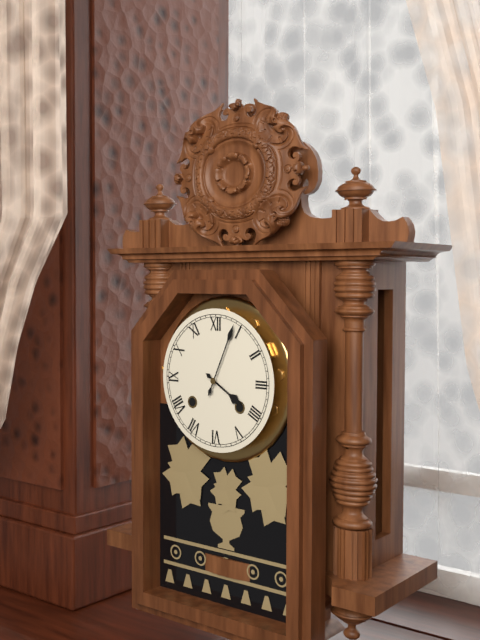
4:04
